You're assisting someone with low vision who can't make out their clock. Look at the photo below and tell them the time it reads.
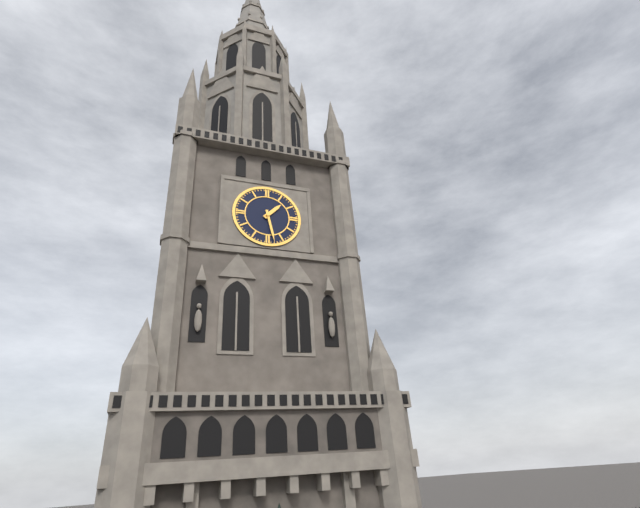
1:28
